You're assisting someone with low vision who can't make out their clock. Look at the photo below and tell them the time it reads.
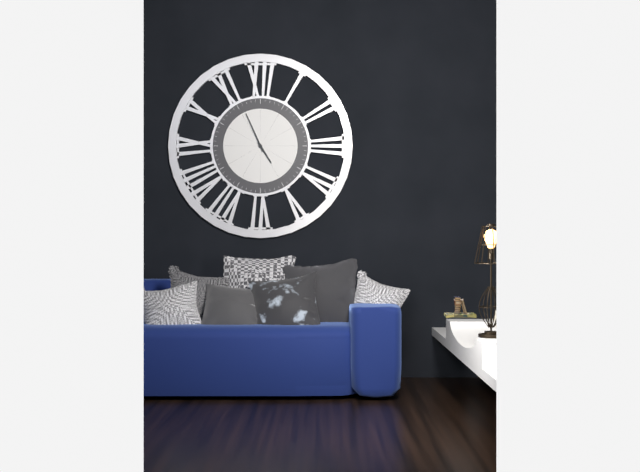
4:56
